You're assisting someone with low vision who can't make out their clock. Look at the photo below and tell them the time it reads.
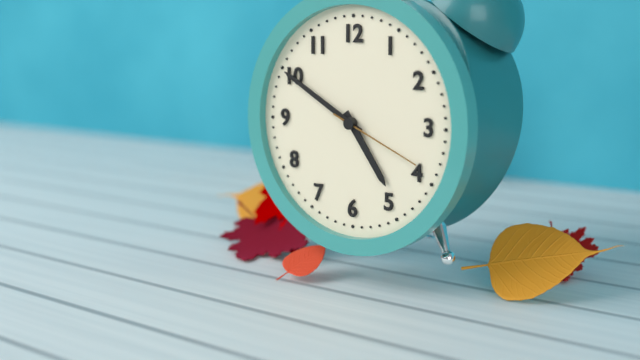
4:50:19
